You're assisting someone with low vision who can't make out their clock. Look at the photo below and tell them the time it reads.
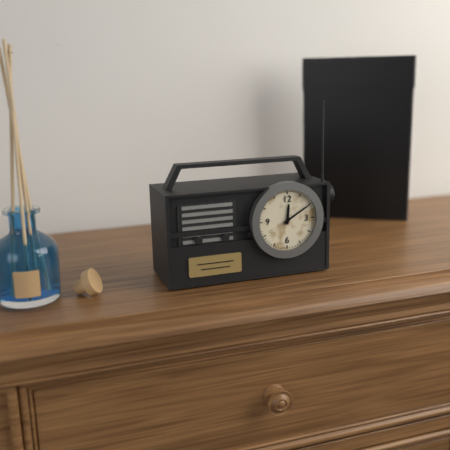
12:10
